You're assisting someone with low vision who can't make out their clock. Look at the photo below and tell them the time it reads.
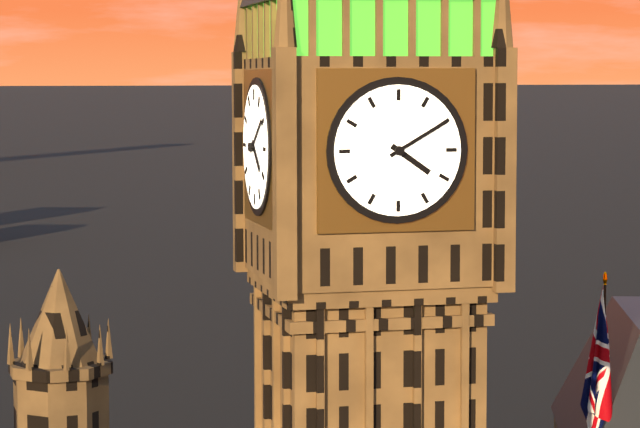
4:10
